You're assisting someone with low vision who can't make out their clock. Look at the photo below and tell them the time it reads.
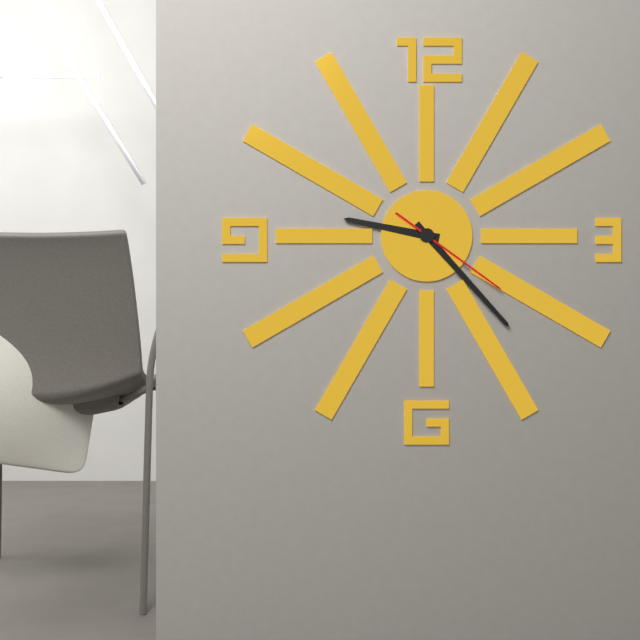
9:23:21
